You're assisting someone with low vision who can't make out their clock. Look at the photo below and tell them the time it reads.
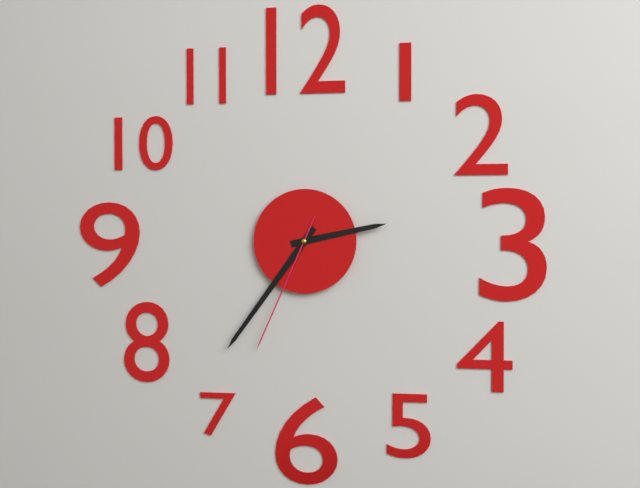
2:36:34
